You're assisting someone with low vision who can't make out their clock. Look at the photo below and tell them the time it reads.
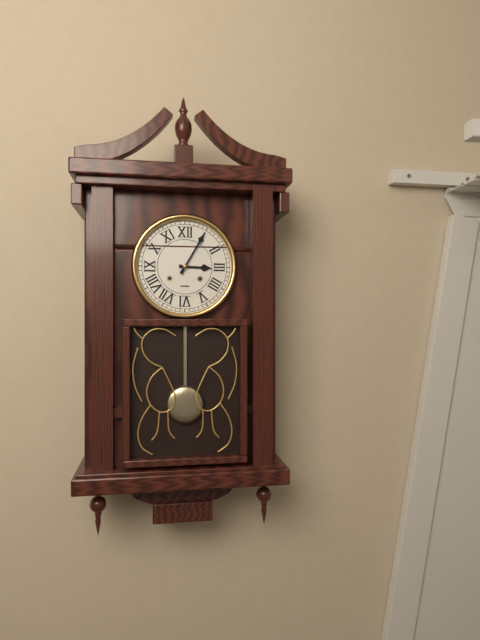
3:05
